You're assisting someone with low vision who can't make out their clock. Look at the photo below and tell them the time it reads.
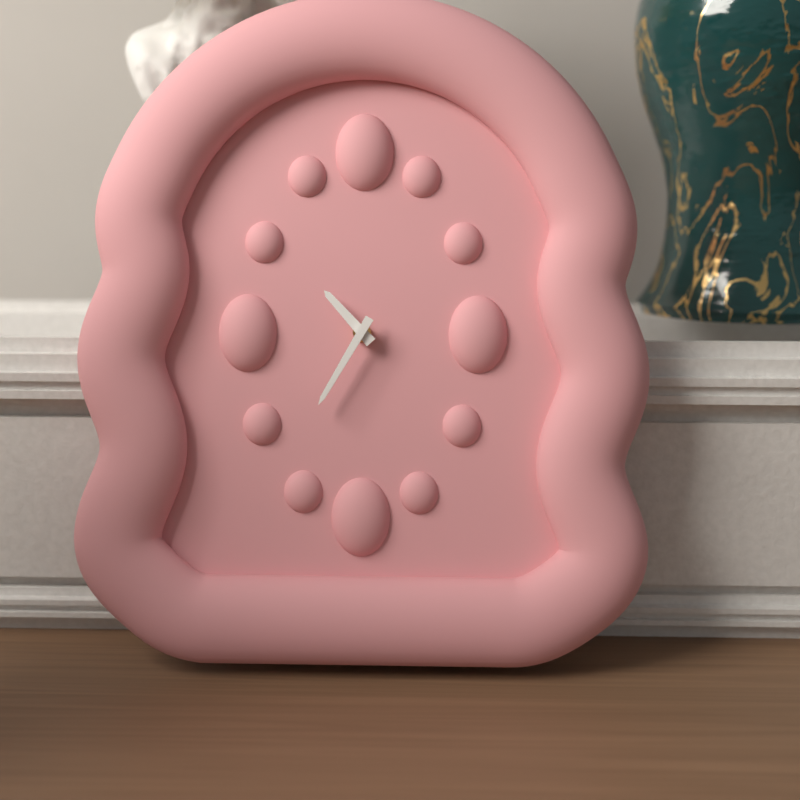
10:35
